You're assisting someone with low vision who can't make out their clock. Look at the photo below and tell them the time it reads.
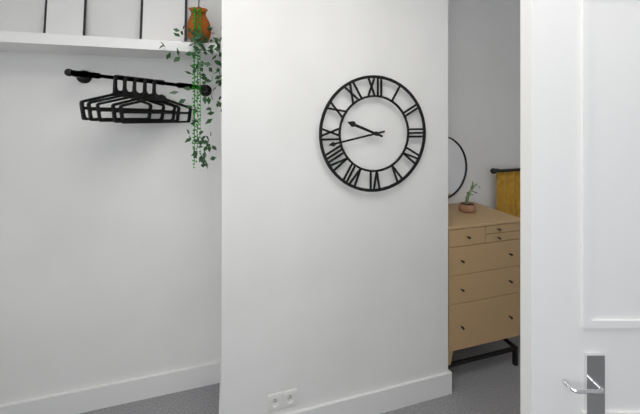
9:43
